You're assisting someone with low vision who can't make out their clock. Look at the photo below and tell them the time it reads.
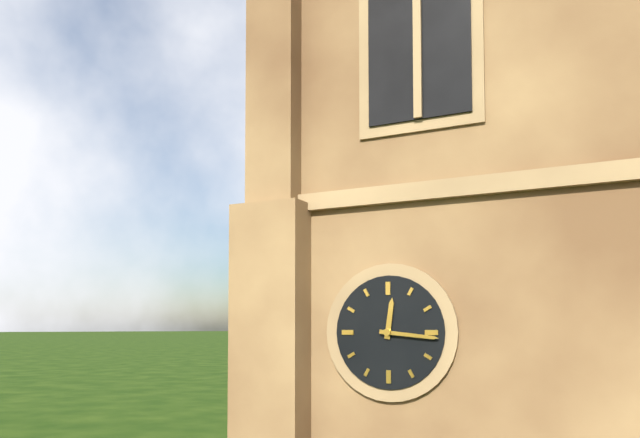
12:16
